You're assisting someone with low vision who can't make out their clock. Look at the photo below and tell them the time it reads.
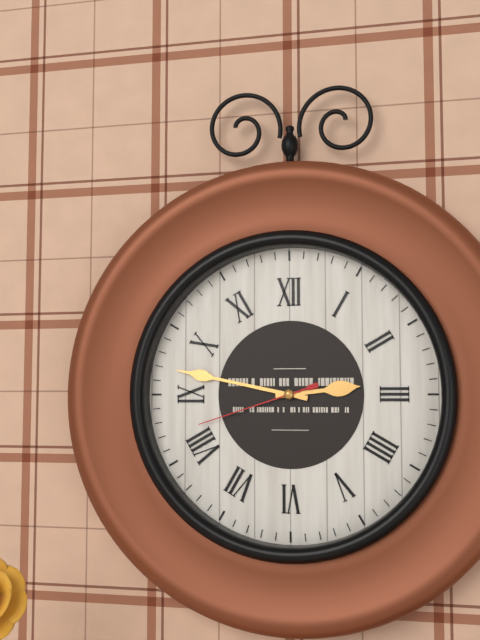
2:47:42
